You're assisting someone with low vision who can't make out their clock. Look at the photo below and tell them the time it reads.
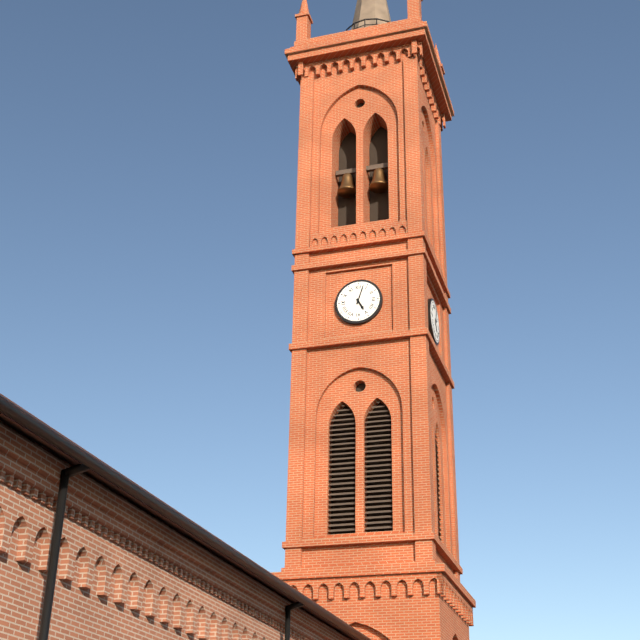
5:03
